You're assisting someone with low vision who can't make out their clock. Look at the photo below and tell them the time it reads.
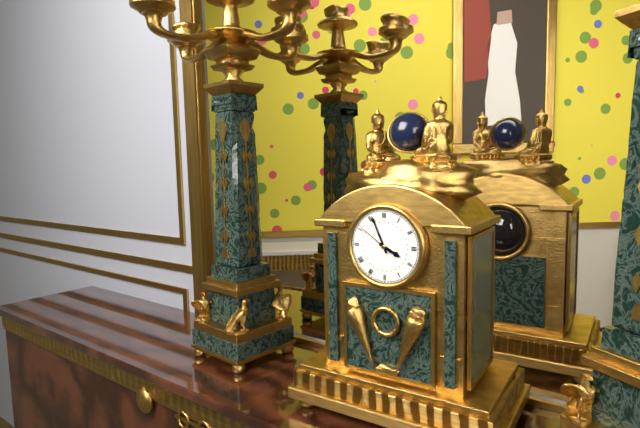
3:56
